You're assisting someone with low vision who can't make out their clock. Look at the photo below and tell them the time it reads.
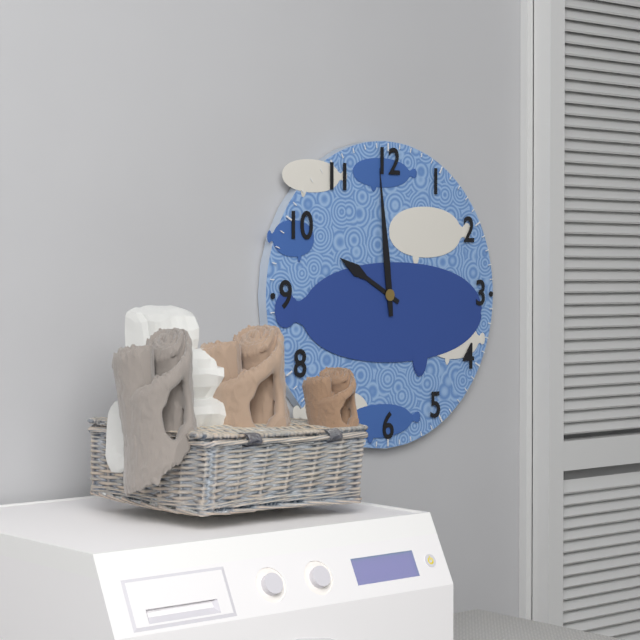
9:59
